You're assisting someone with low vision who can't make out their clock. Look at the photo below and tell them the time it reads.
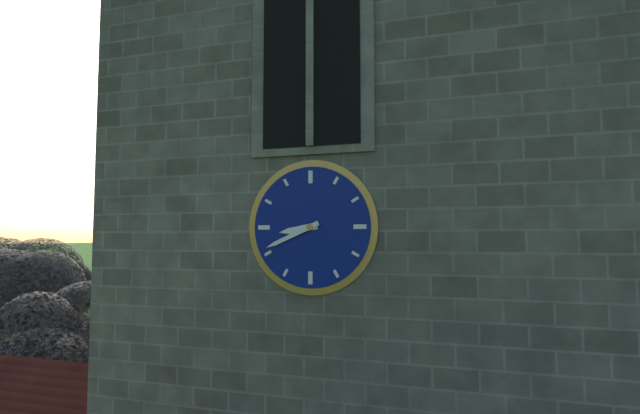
8:41
